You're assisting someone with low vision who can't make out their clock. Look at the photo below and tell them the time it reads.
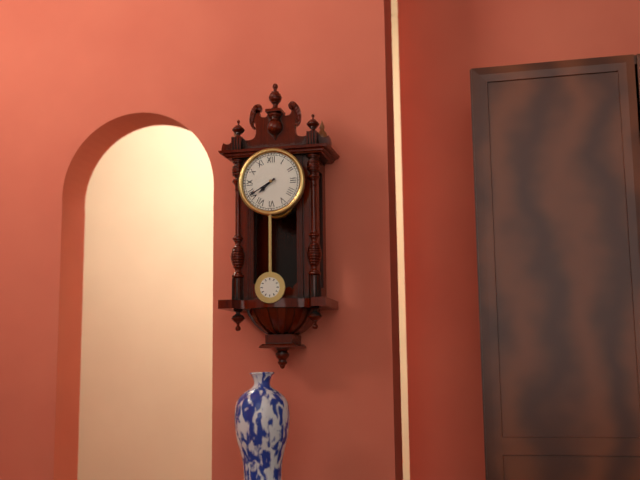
7:40
